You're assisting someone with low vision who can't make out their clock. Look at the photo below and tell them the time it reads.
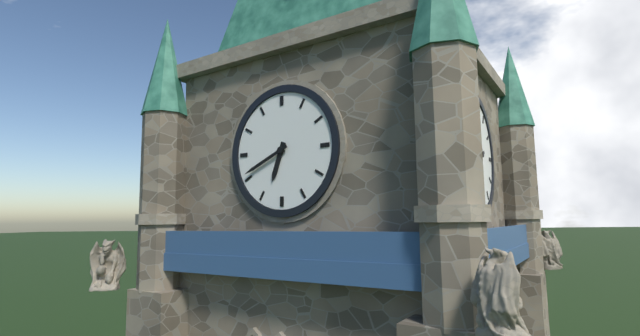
6:41
